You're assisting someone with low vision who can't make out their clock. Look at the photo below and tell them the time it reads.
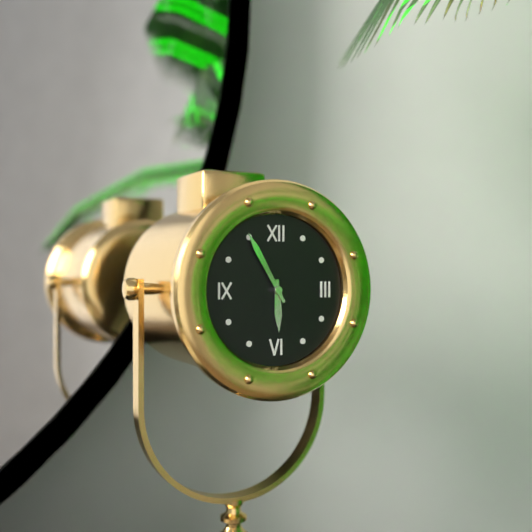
5:55
